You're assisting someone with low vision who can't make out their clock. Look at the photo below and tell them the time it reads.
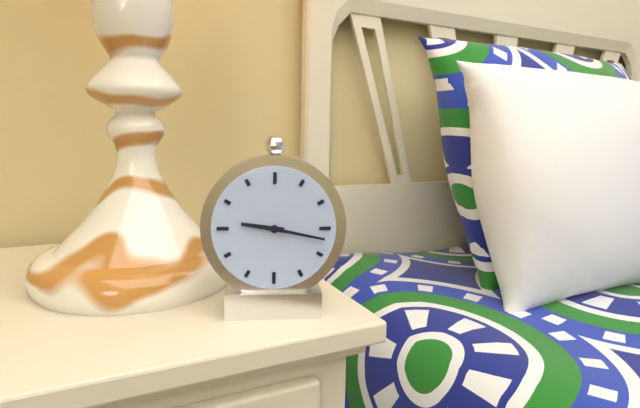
9:17
